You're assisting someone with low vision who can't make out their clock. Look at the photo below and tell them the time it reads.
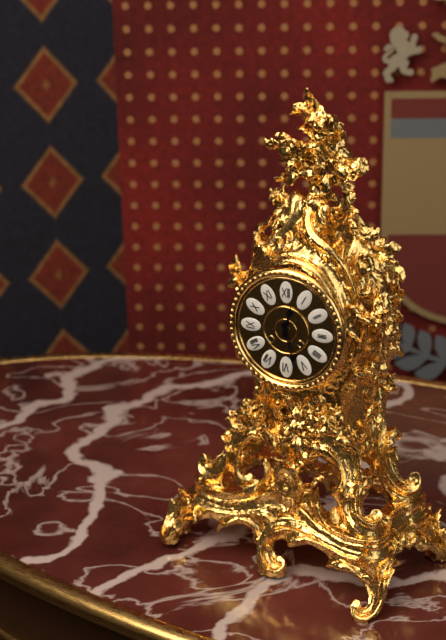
12:27
